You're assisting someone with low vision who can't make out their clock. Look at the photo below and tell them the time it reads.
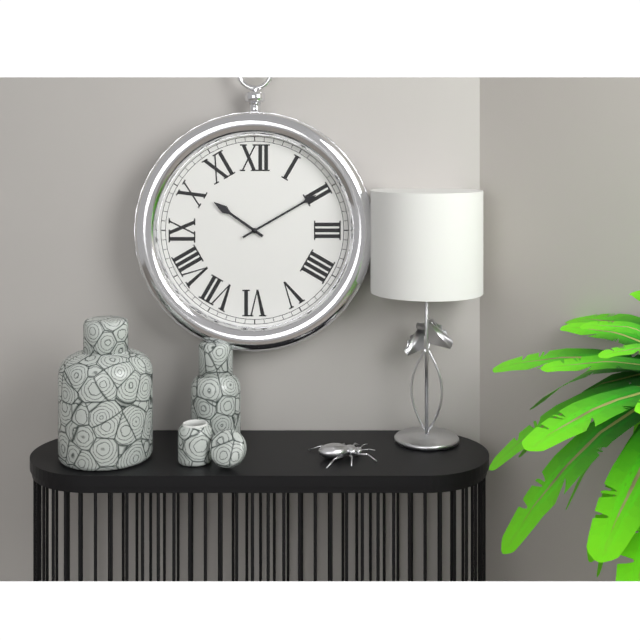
10:10
